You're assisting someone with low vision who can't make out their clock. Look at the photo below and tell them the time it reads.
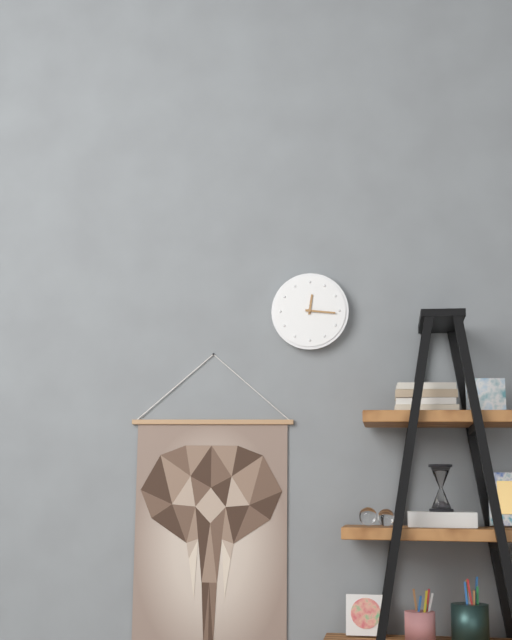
12:16
